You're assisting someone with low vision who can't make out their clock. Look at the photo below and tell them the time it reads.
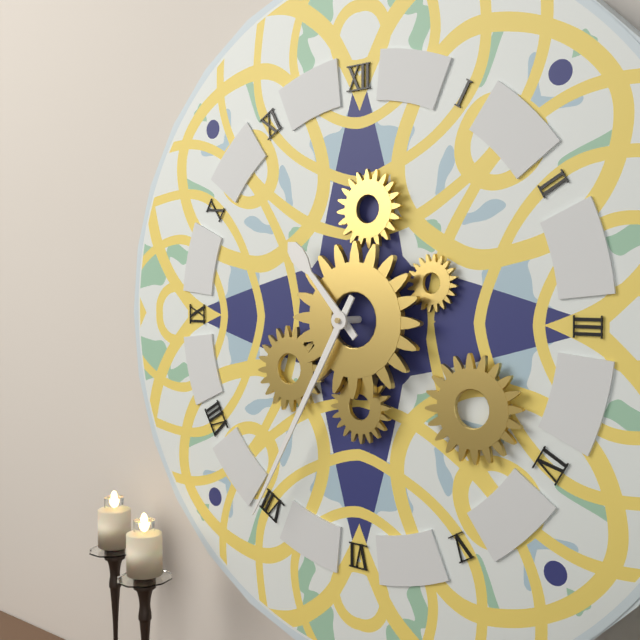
10:35
